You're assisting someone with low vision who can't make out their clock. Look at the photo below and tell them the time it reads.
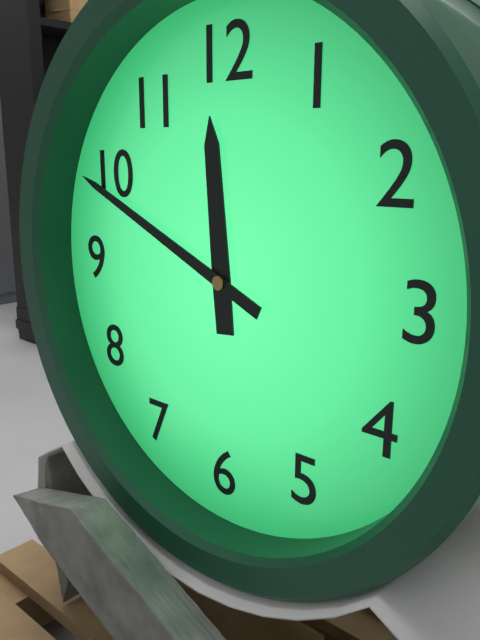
11:49
